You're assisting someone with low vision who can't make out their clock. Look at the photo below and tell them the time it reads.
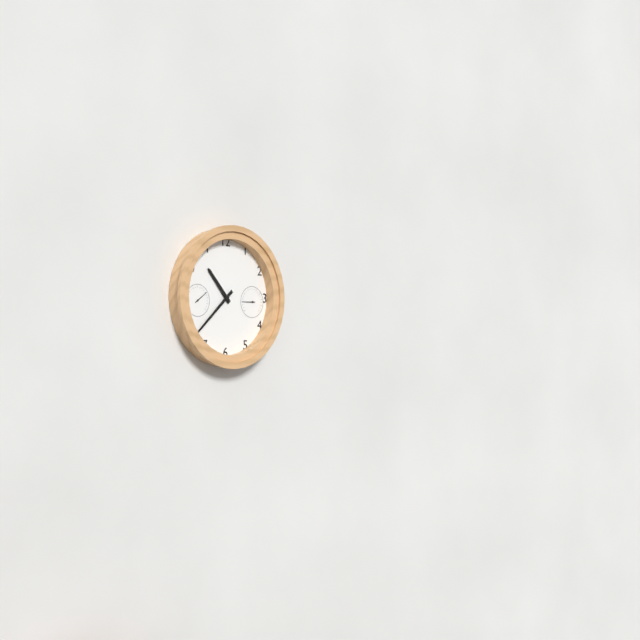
10:38
